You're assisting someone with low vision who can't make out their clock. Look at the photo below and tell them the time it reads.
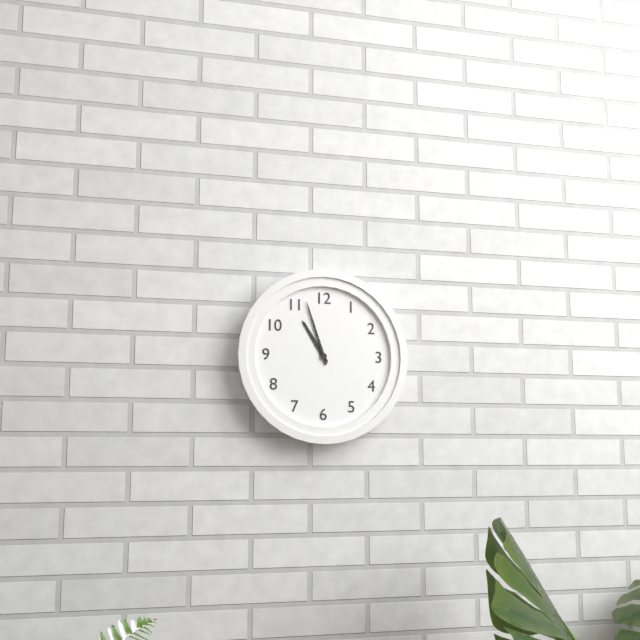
10:57
